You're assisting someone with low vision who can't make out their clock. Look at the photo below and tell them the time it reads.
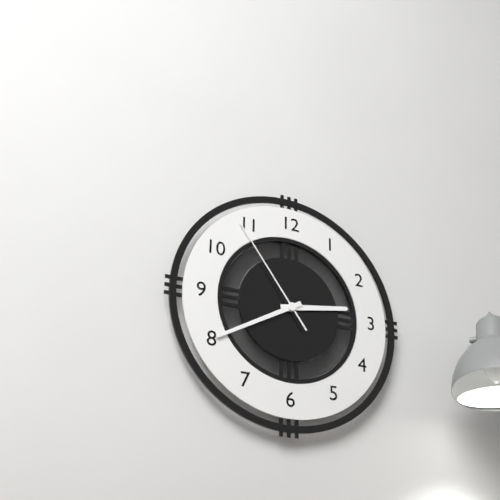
2:40:54
